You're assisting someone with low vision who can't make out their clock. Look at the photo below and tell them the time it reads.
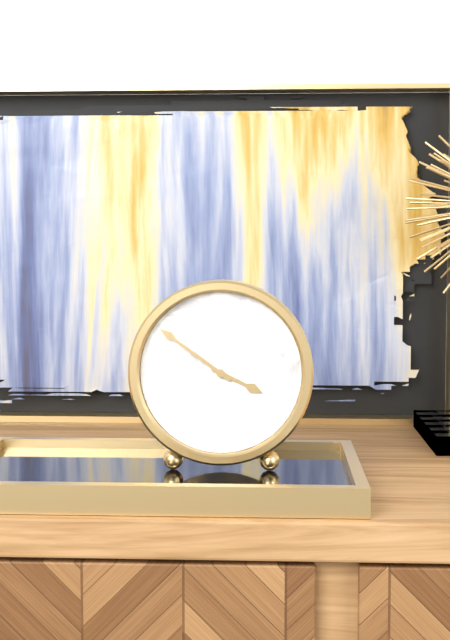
3:51
